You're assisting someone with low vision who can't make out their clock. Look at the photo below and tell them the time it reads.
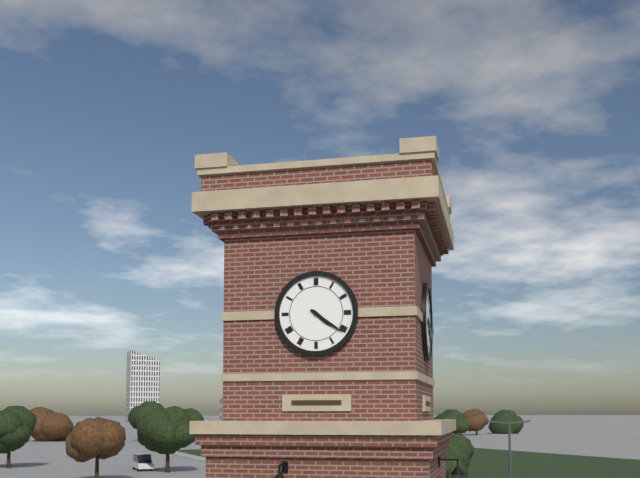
4:21
